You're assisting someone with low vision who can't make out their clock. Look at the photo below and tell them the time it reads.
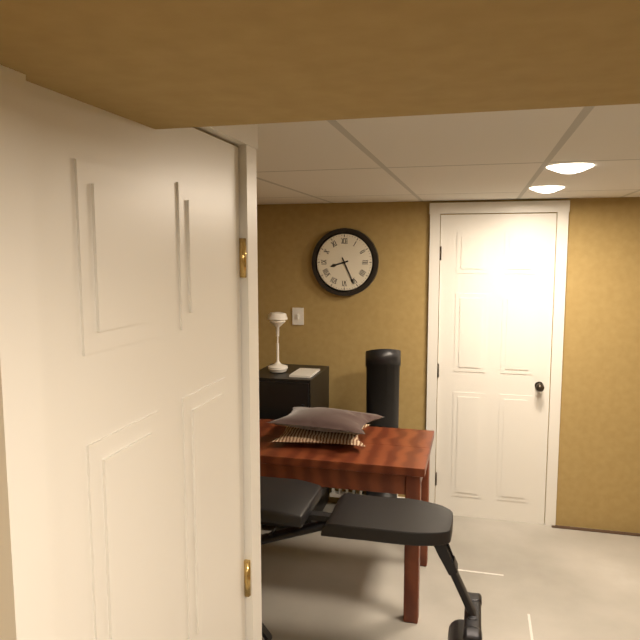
8:26
